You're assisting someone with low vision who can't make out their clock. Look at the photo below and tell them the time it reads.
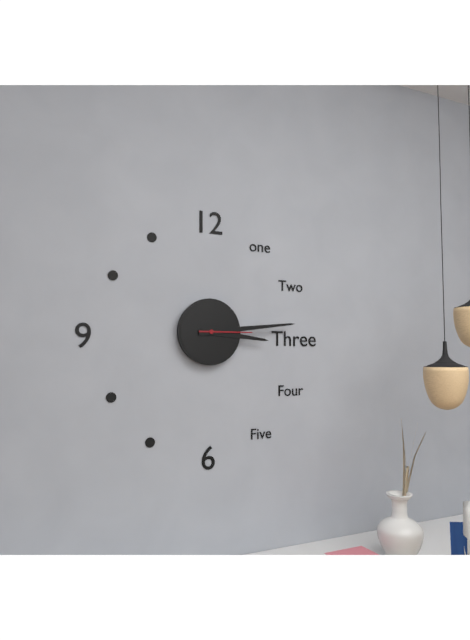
3:14:15
